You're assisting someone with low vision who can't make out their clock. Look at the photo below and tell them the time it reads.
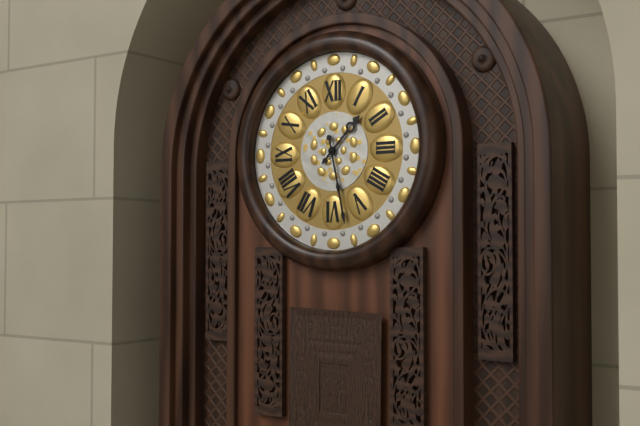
1:28
